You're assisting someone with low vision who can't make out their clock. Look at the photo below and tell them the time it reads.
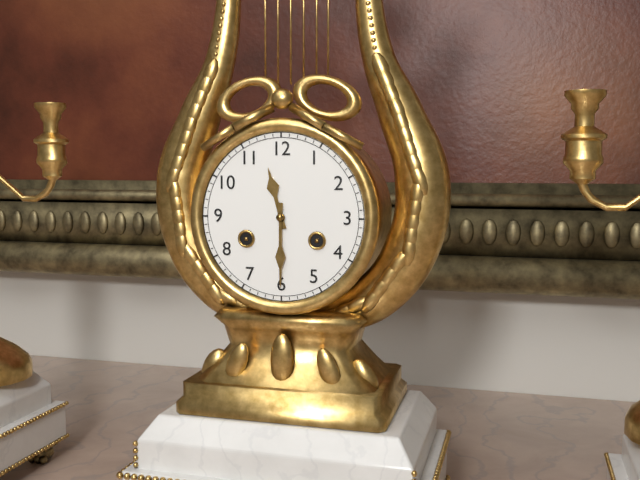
11:30
